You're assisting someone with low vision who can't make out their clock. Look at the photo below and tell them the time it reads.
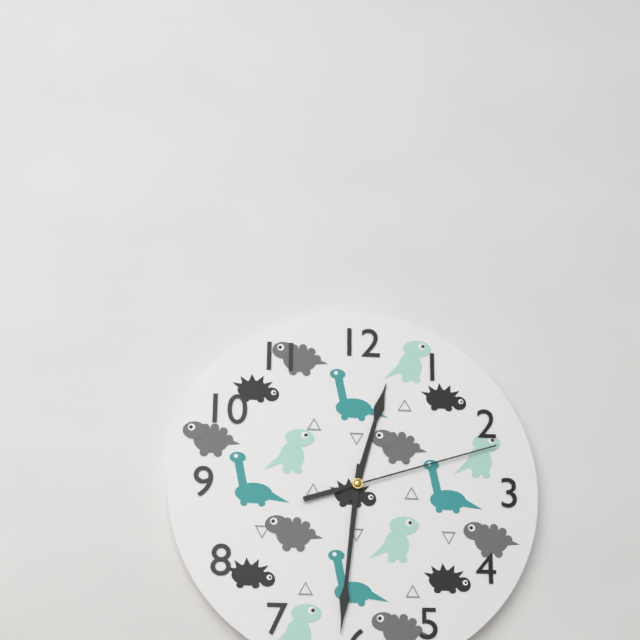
12:31:12
